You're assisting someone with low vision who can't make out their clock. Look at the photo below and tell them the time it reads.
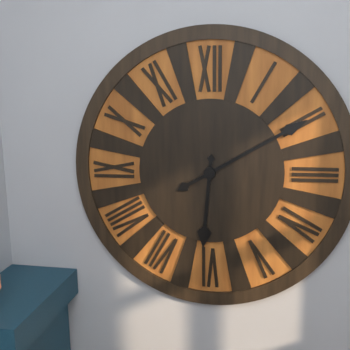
6:10
